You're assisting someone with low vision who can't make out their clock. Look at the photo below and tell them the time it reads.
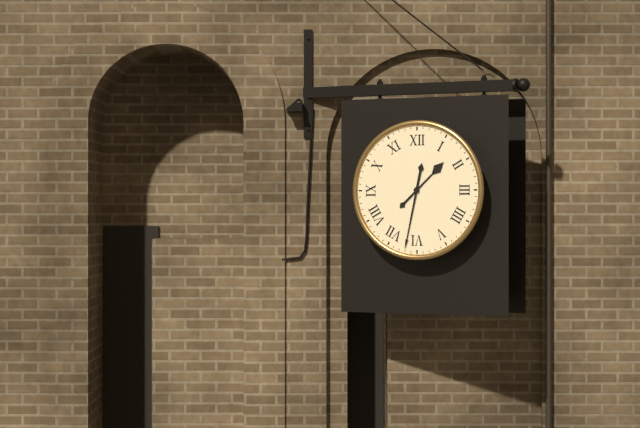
1:32
